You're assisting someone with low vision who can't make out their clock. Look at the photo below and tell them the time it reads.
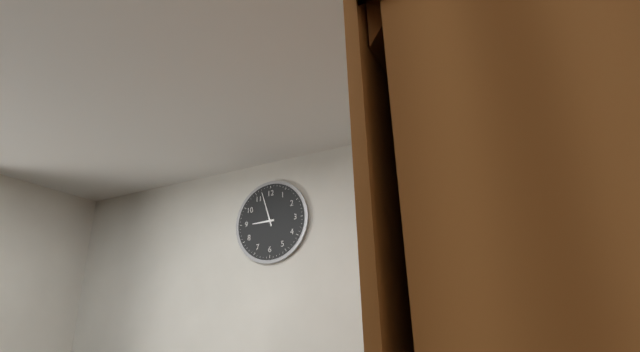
8:57
